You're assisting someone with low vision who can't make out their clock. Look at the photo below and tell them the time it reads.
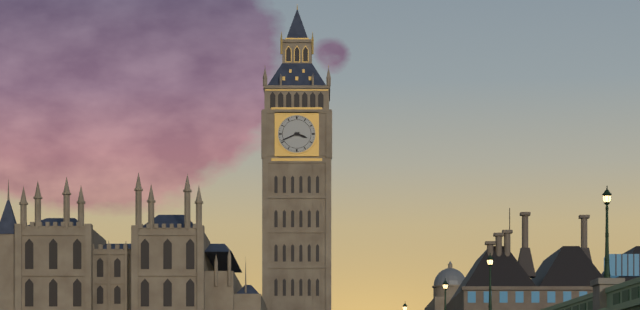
3:41
